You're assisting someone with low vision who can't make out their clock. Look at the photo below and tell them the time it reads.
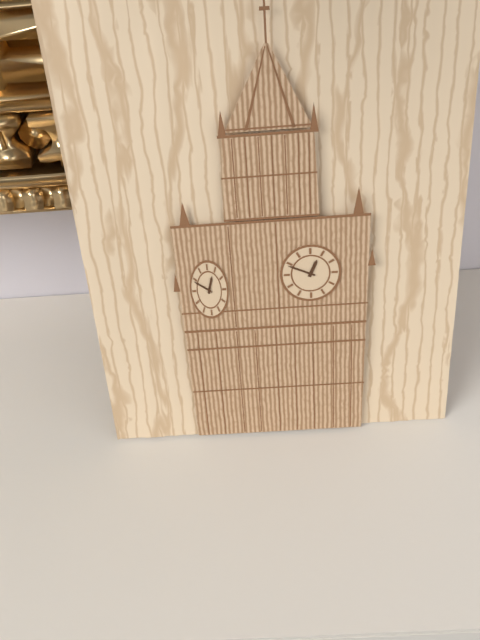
12:49
